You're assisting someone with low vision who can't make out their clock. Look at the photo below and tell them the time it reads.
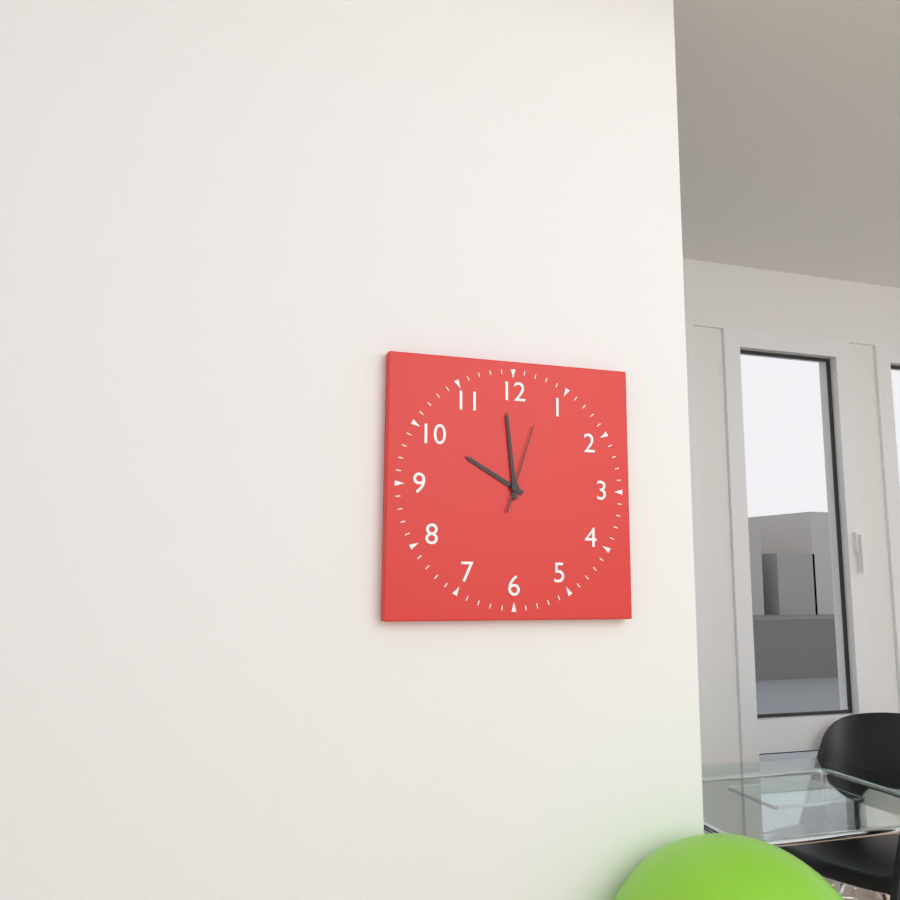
9:59:03
